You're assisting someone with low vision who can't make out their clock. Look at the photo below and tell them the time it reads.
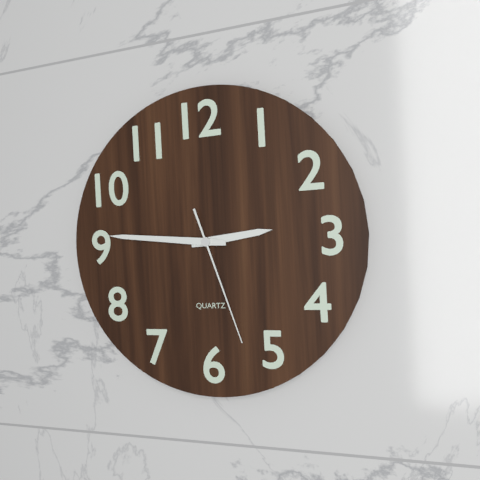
2:46:27
